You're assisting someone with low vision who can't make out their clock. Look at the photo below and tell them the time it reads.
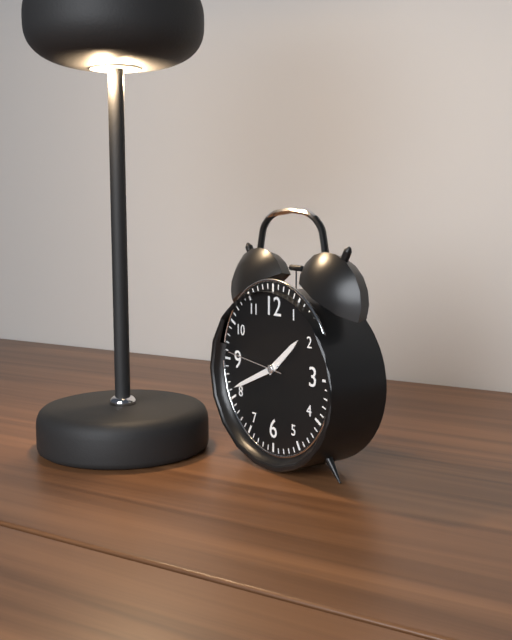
1:41:46
